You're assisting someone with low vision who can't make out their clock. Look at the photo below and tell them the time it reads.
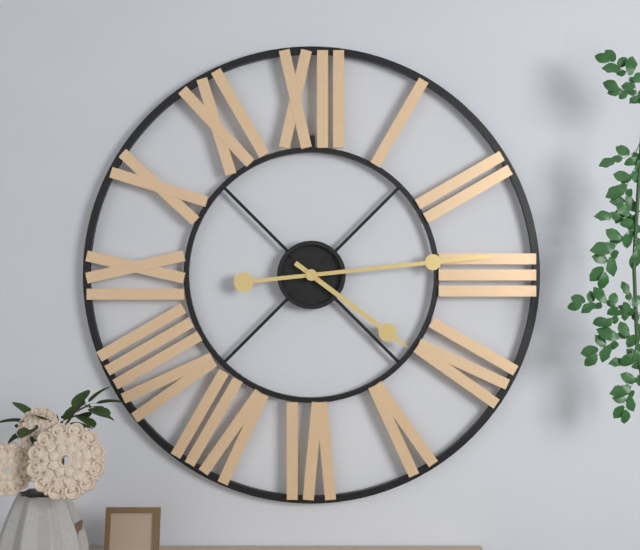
4:14
